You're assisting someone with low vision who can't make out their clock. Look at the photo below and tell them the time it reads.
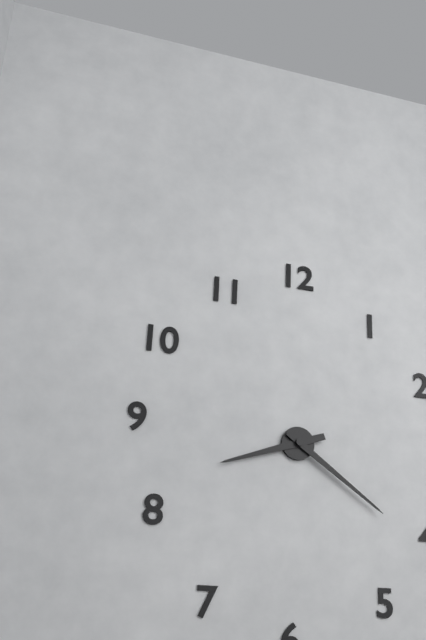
8:21
